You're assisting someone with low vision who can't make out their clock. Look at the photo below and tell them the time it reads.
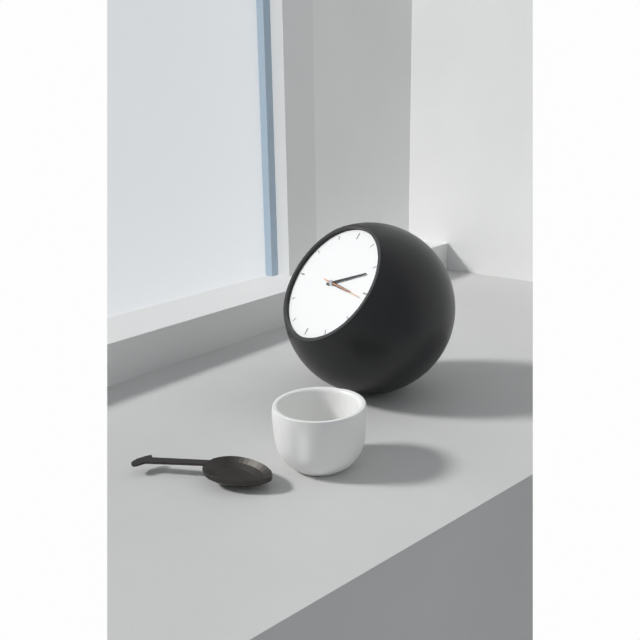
3:11
